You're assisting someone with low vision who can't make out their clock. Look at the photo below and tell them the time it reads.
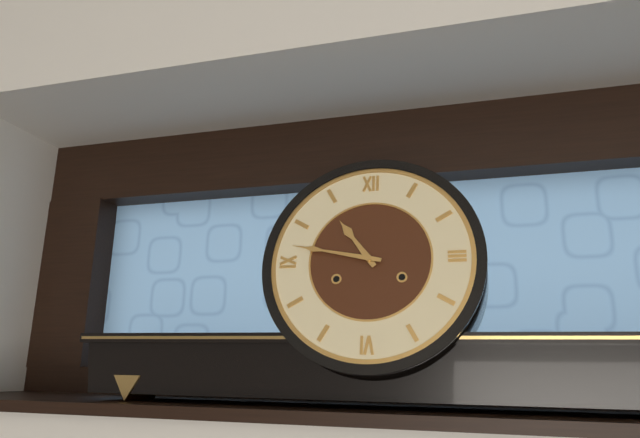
10:47
